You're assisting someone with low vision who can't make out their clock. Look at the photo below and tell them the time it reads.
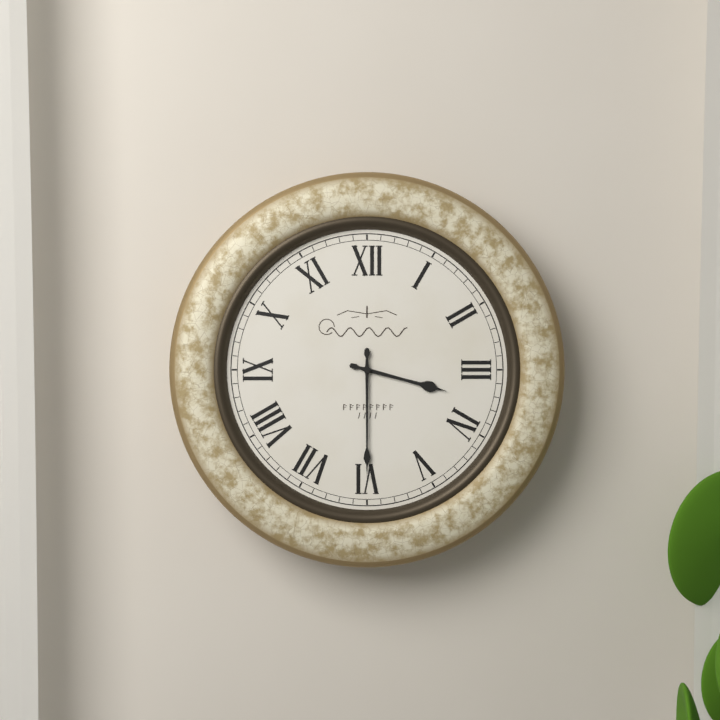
3:30
